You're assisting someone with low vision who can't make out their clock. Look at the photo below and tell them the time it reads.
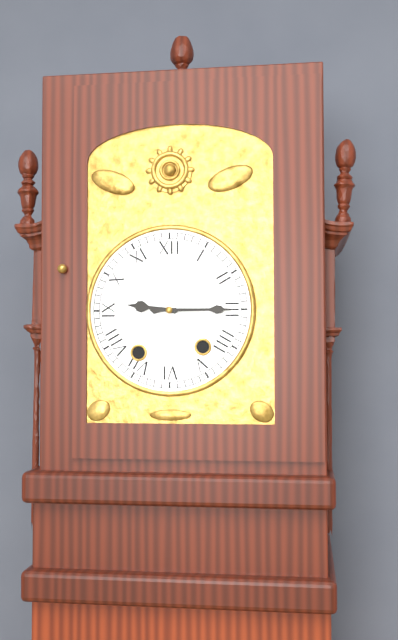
9:15
